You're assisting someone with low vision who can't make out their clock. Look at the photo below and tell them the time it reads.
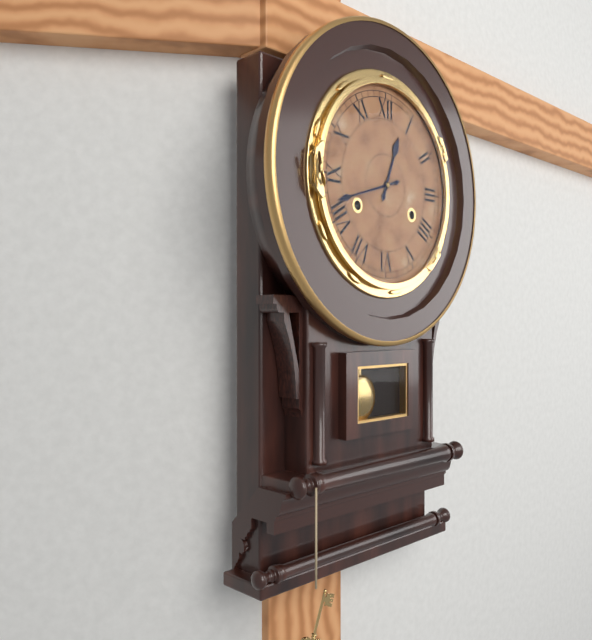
12:42
